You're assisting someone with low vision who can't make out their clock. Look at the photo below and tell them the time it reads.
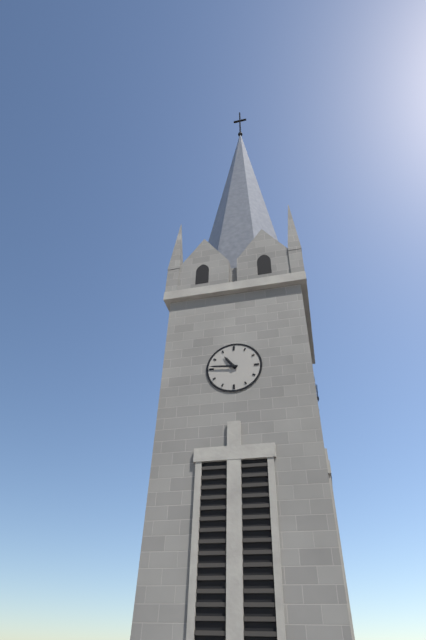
10:46
